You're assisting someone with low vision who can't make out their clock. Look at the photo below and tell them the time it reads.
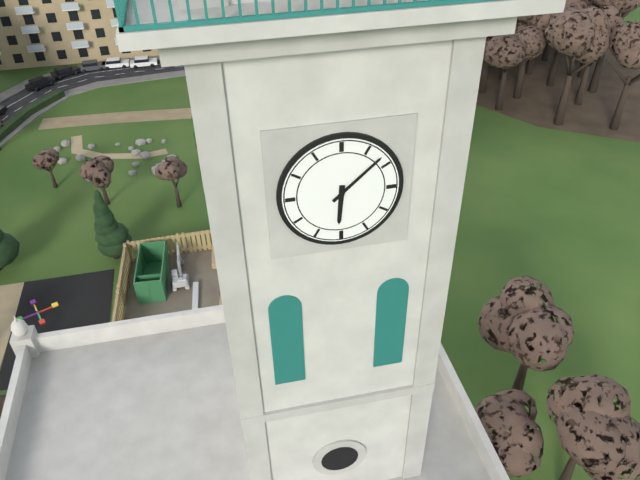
6:08
